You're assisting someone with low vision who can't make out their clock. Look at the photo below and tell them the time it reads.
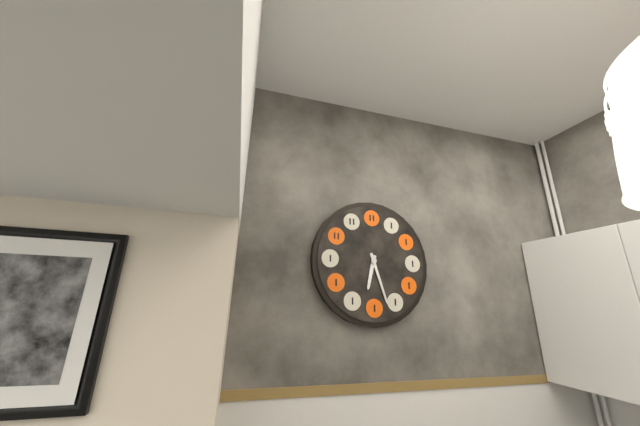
6:27
